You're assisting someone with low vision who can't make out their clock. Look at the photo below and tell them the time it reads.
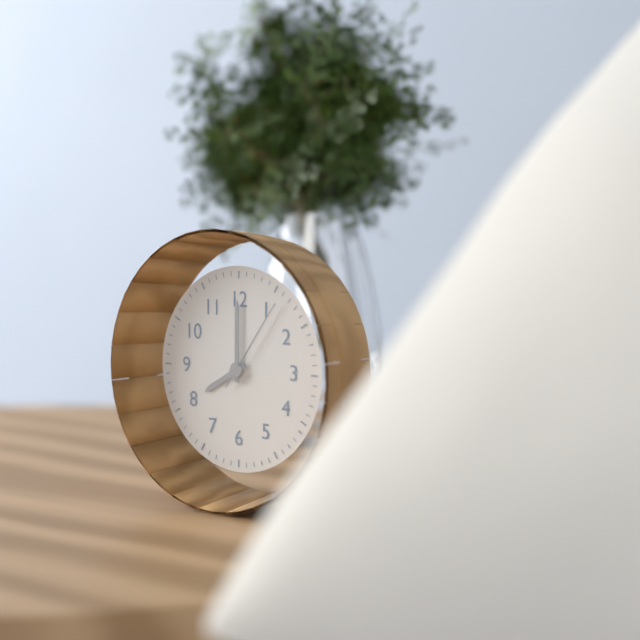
8:00:06
